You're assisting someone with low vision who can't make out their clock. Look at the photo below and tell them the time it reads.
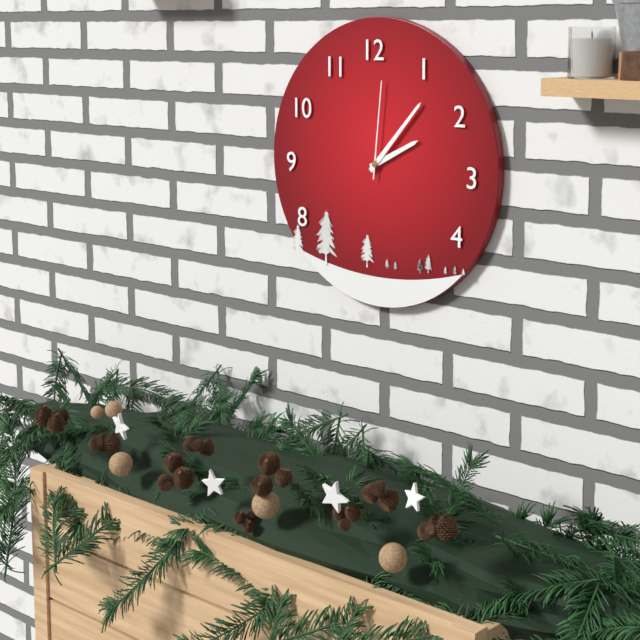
2:07:01
